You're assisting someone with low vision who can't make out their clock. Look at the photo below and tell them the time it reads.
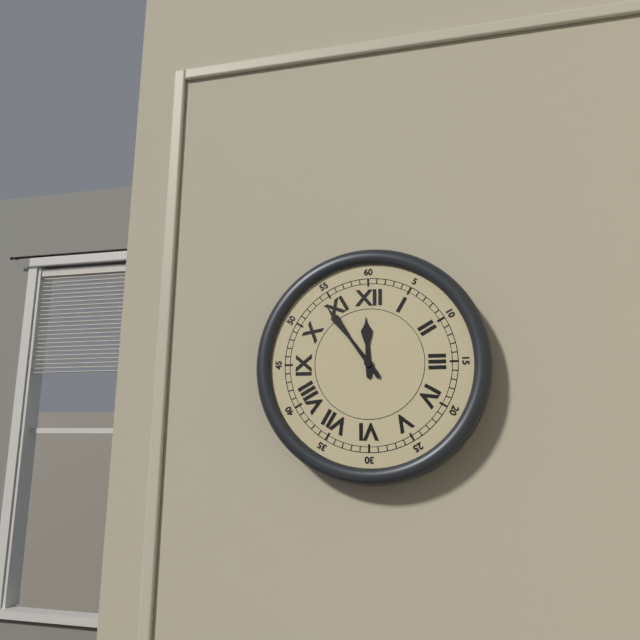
11:54
